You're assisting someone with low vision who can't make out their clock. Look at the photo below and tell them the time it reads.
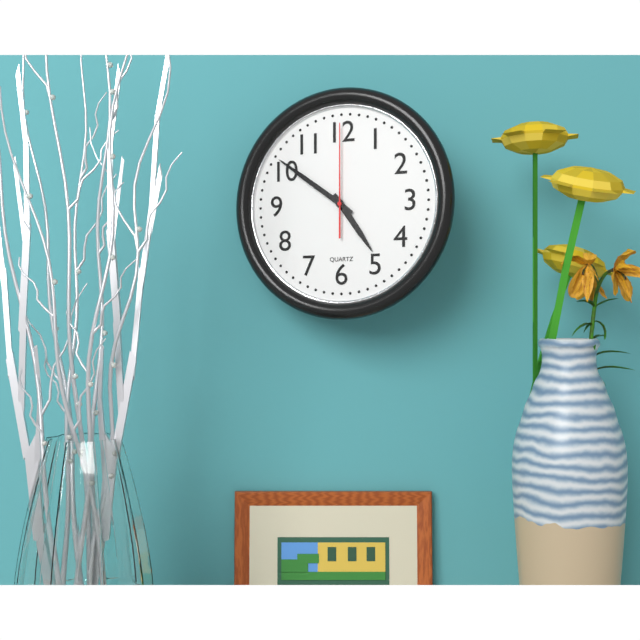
4:51:00
